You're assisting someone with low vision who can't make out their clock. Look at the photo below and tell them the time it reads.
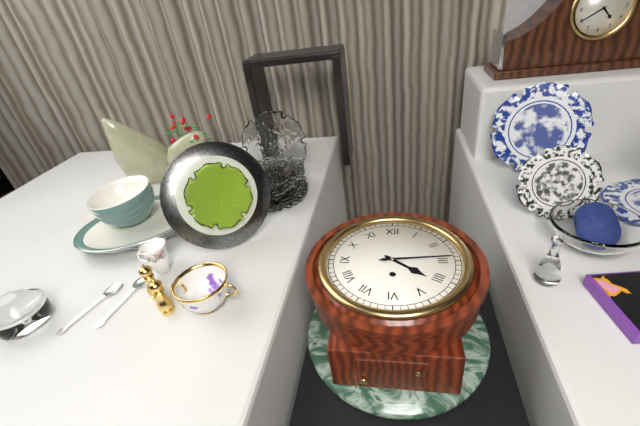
4:14
